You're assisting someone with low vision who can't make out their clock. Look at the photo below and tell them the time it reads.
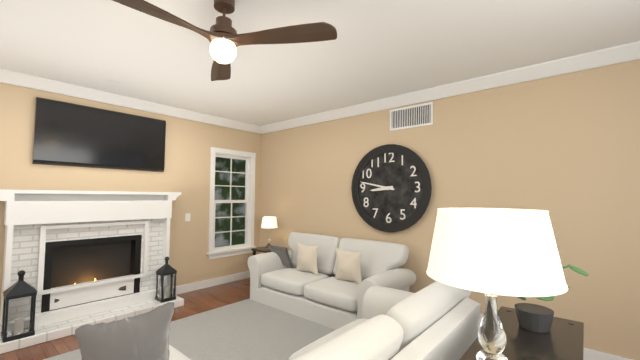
8:47
